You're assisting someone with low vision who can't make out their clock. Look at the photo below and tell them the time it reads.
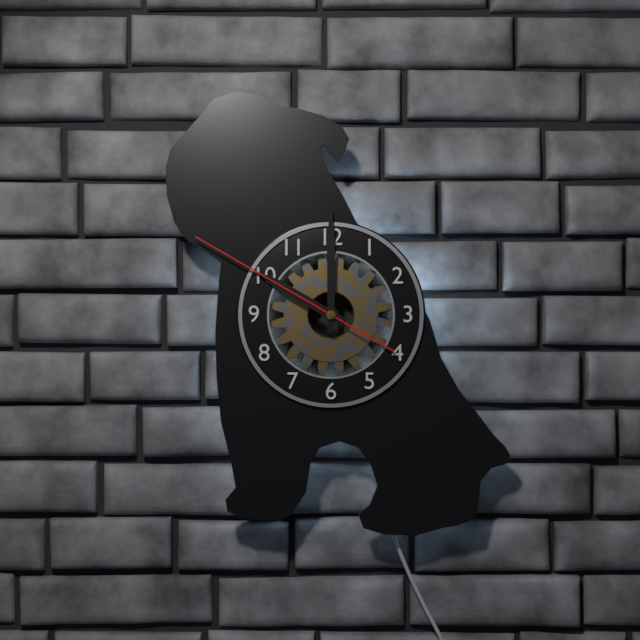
10:00:50
